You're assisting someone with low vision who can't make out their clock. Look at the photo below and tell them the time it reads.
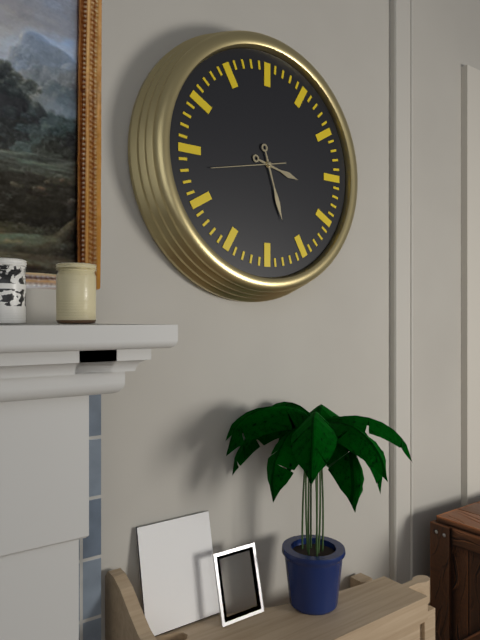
3:27
